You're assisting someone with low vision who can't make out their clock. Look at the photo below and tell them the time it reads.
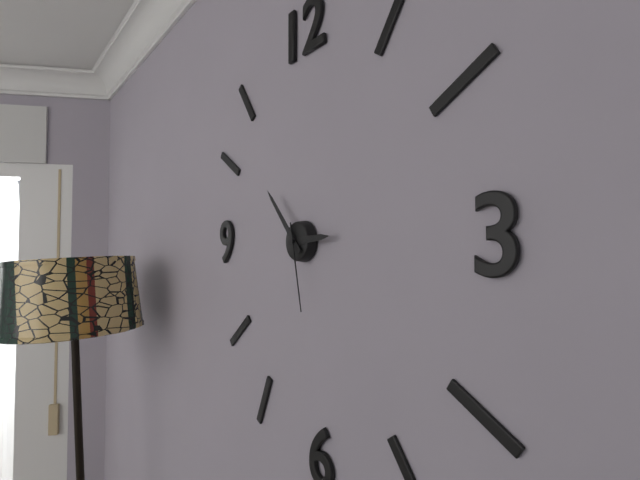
2:53:28
